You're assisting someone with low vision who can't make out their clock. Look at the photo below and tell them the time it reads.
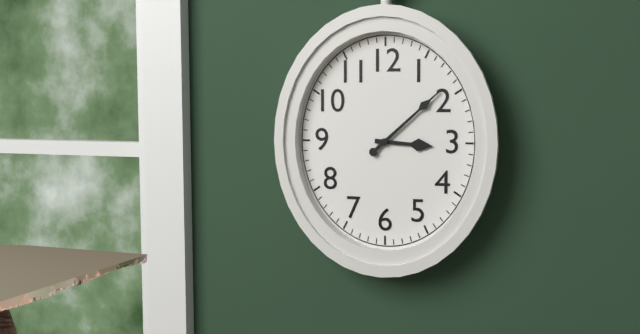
3:08
